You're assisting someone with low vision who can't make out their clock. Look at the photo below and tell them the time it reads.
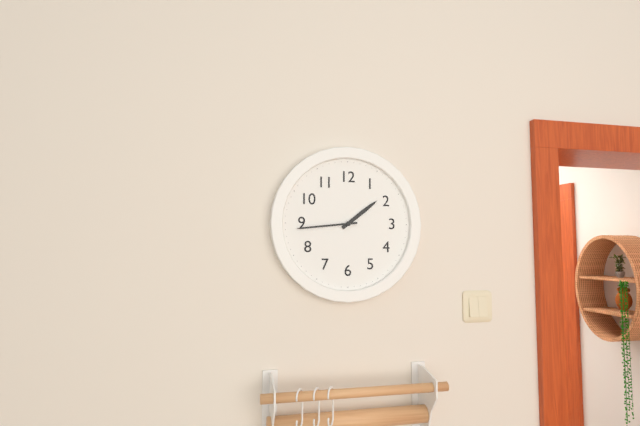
1:44
